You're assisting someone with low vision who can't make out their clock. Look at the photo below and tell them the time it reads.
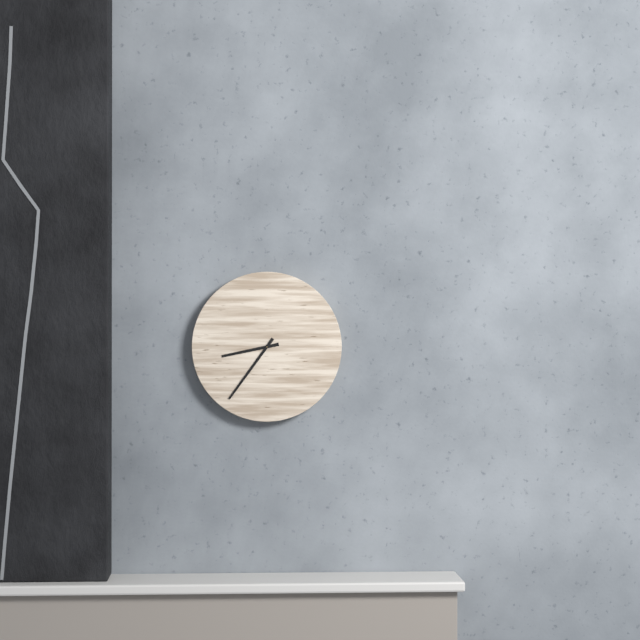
8:36
